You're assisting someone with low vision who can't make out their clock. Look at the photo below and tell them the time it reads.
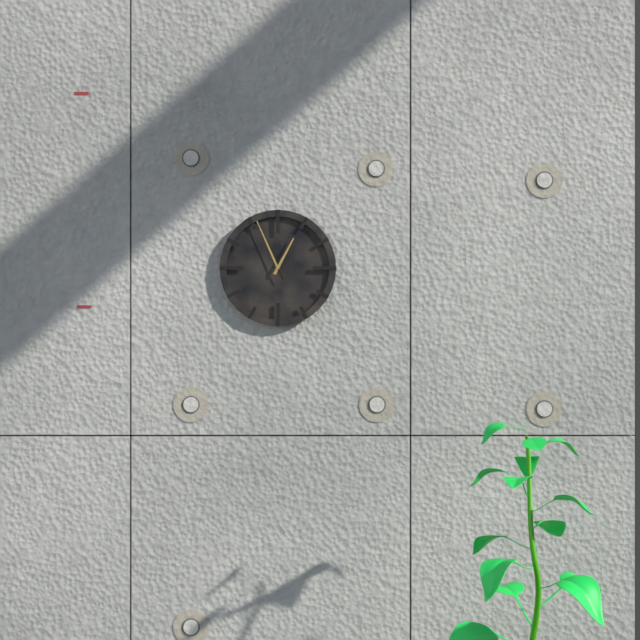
12:56
